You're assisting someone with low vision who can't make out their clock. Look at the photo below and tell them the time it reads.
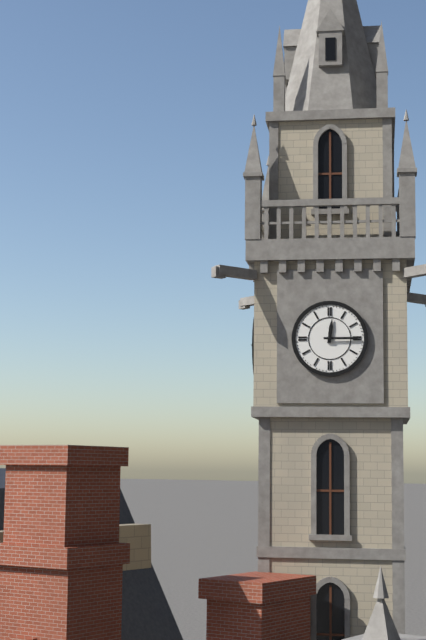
12:15
